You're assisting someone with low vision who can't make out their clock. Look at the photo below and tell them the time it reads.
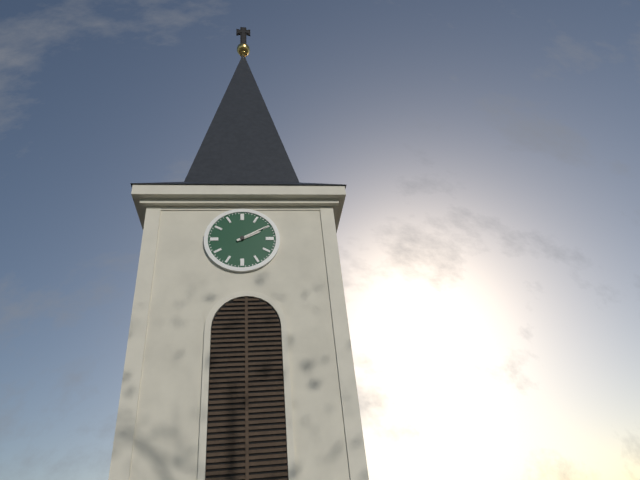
2:10
